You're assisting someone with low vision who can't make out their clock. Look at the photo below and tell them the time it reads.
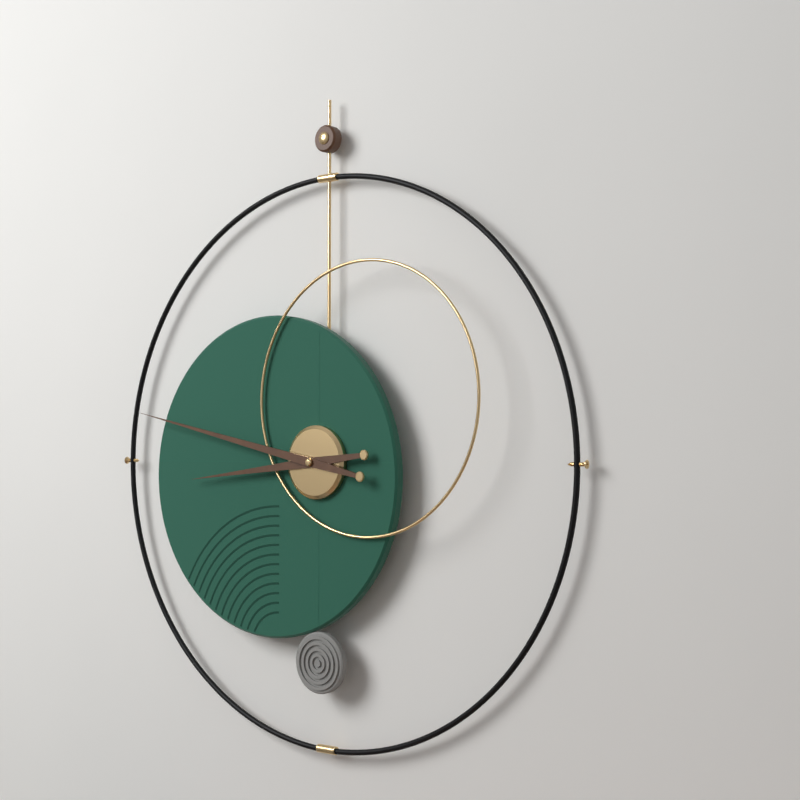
8:47
